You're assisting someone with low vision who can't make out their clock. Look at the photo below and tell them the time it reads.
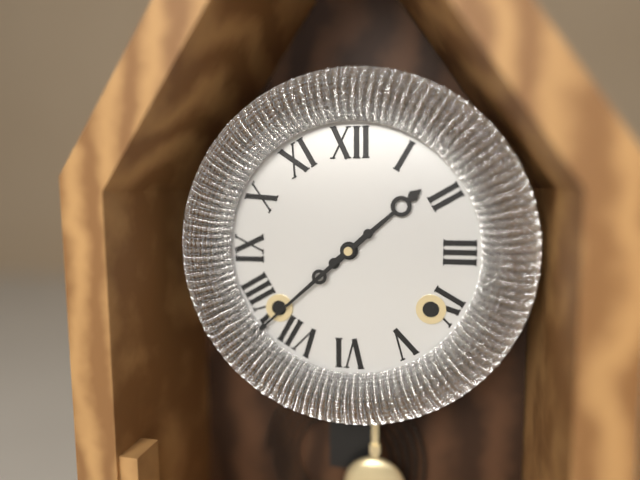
1:38
